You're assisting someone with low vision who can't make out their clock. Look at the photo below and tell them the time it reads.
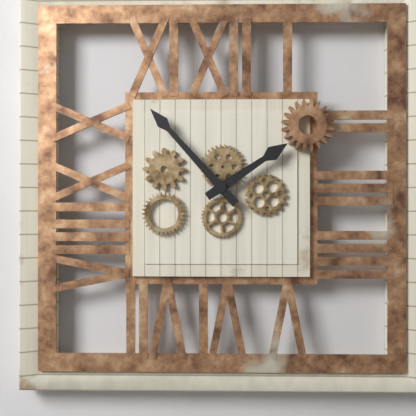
1:53
